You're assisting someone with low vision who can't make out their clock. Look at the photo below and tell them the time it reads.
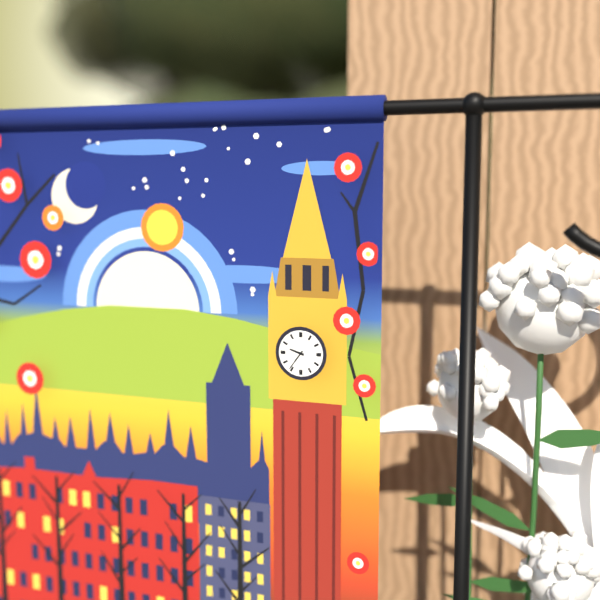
9:36
